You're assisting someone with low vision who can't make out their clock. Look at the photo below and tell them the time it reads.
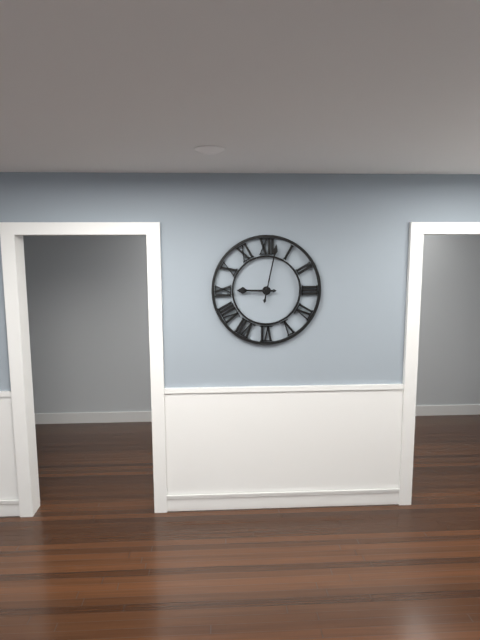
9:02
